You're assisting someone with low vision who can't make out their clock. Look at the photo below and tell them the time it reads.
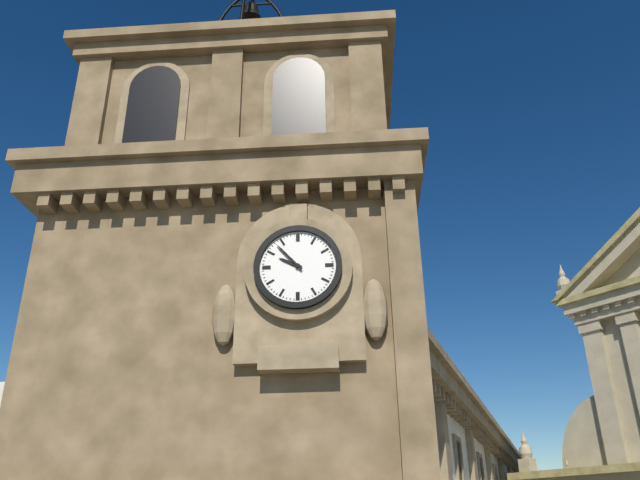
9:53
